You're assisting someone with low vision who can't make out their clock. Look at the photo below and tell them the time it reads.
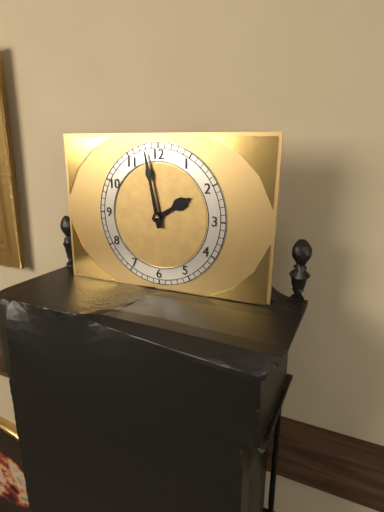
1:58
